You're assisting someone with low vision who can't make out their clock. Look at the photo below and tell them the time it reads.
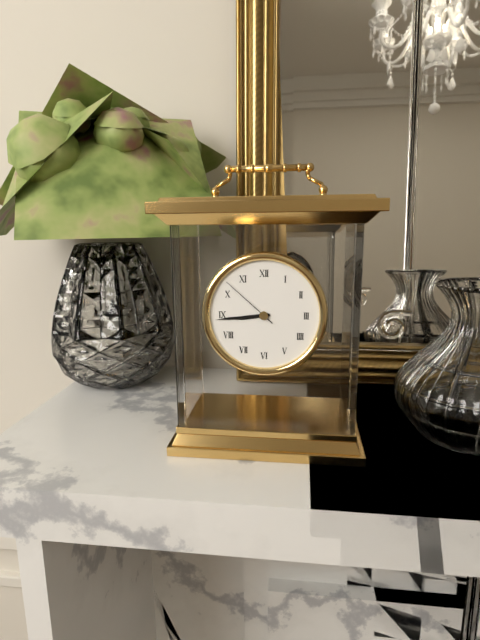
8:44:52
